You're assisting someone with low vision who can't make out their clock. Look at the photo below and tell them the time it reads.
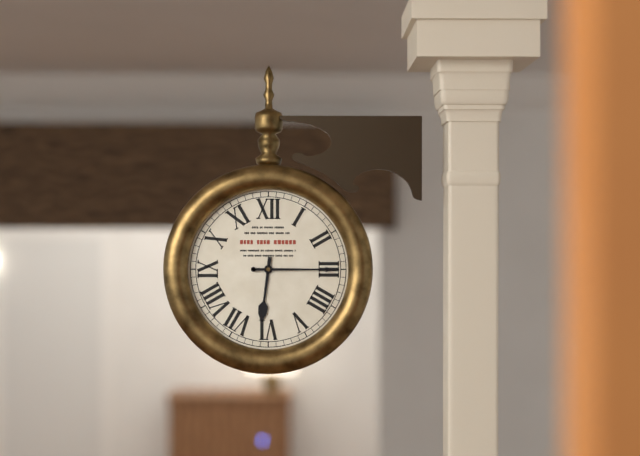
6:15
